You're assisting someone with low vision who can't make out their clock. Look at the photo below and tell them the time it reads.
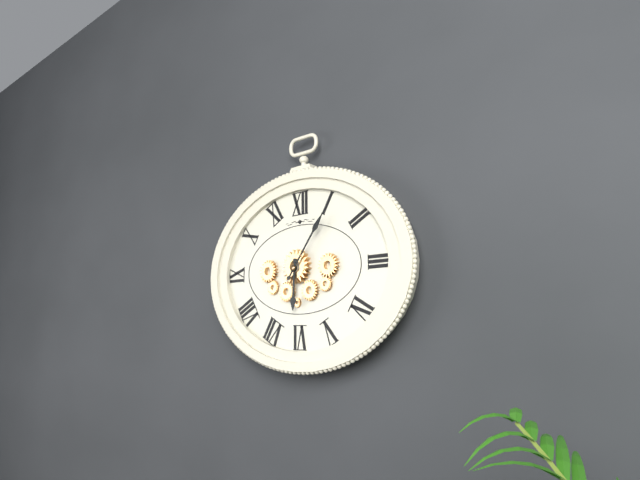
6:06
